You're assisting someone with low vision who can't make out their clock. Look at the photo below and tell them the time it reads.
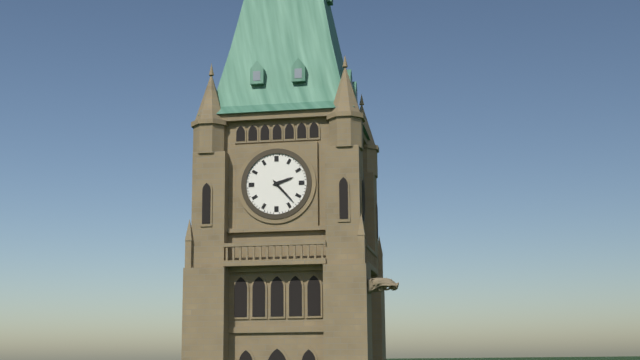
2:23
